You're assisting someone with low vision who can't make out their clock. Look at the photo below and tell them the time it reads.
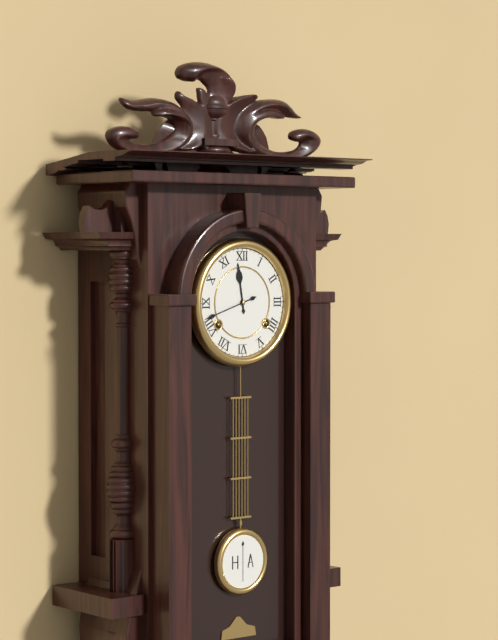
11:42
